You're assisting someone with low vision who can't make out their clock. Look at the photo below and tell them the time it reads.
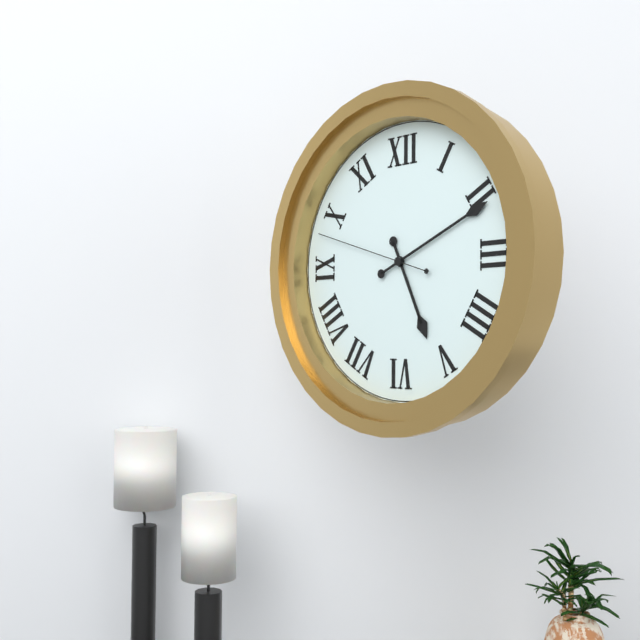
5:11:48
